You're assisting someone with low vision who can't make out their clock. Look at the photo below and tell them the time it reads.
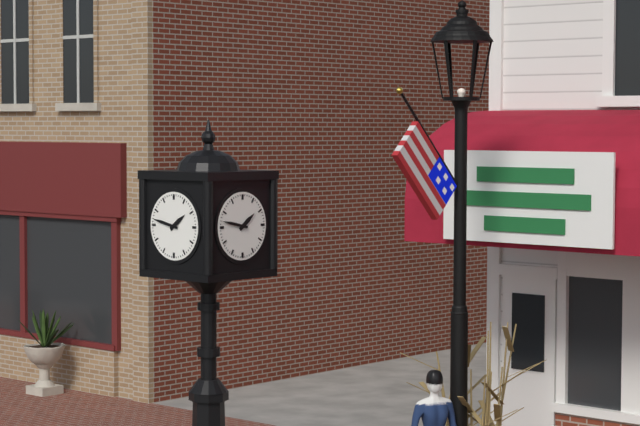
1:47
